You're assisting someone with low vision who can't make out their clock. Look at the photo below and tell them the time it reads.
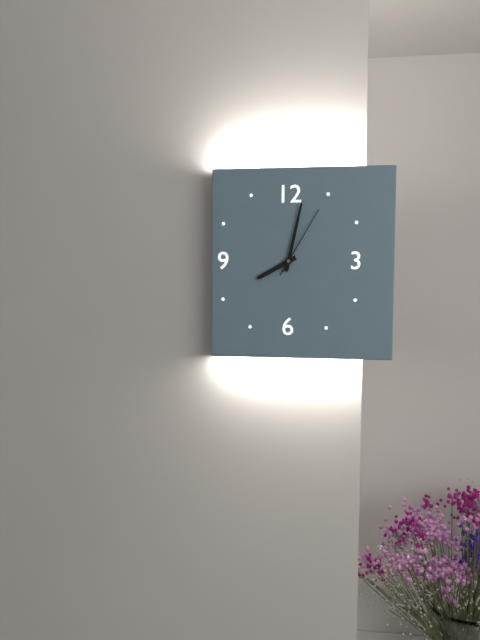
8:02:05
